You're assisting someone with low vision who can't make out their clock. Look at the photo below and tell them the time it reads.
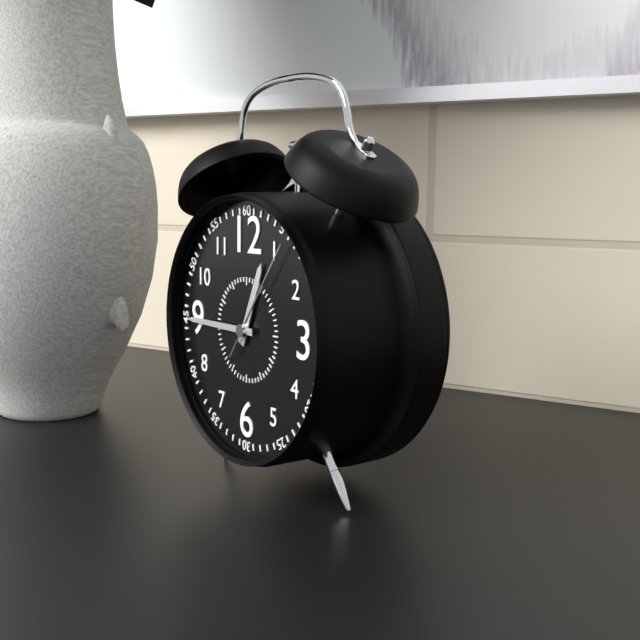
12:45:06
